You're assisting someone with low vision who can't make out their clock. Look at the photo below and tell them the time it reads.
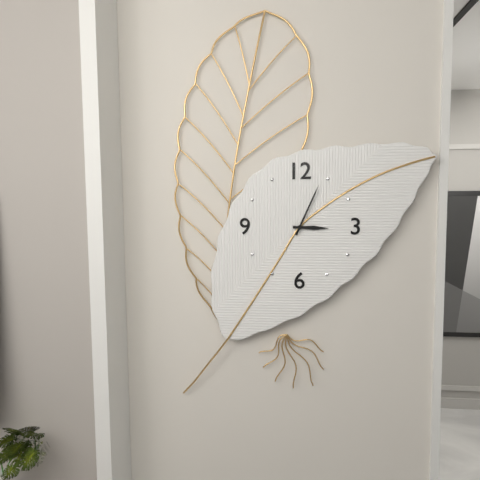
3:04
